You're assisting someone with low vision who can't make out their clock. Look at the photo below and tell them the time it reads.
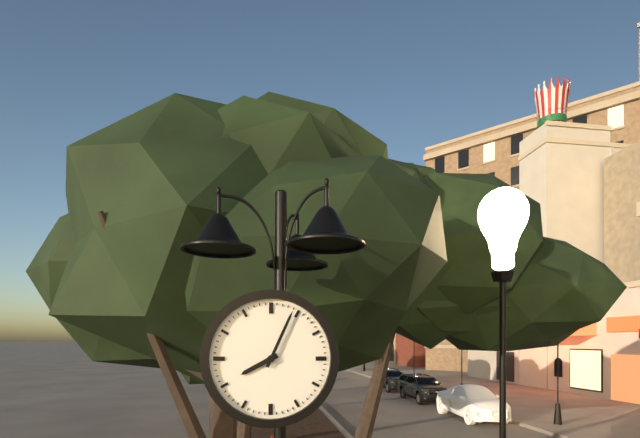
8:04
